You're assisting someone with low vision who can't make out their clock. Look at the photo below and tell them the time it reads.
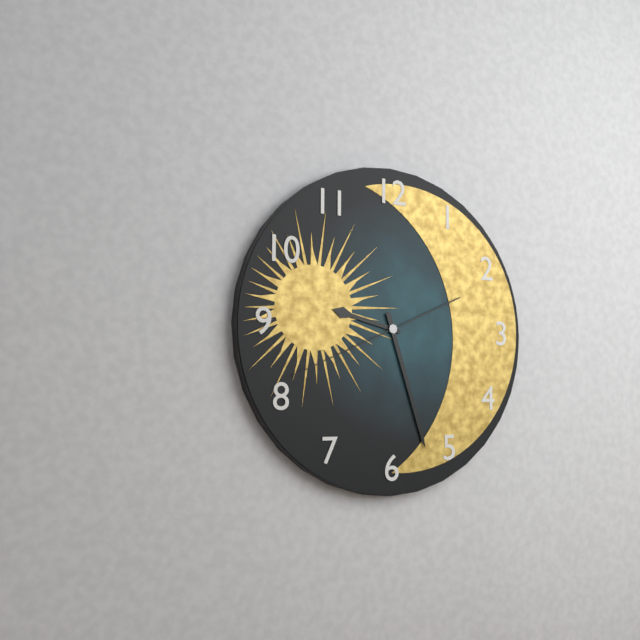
9:27:41
